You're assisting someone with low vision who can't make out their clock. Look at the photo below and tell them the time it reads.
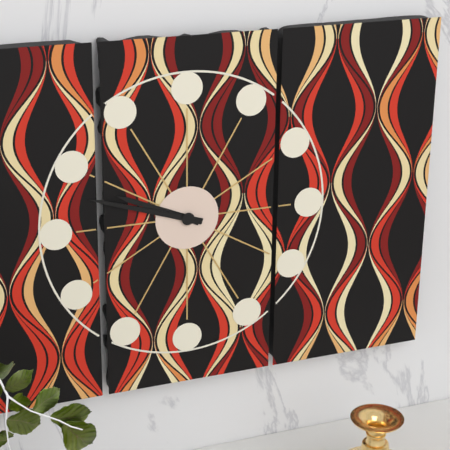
9:48
